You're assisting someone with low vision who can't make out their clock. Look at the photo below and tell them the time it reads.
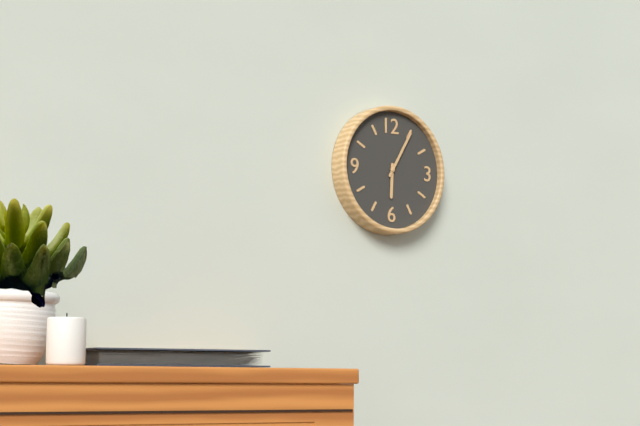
6:05
